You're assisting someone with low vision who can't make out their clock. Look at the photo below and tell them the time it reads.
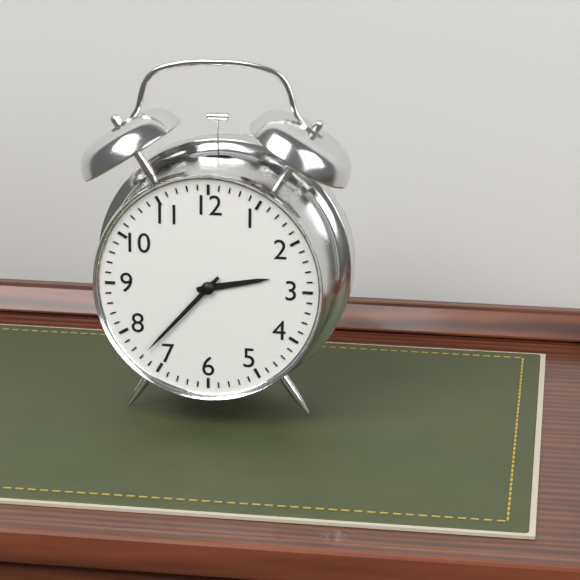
2:37
